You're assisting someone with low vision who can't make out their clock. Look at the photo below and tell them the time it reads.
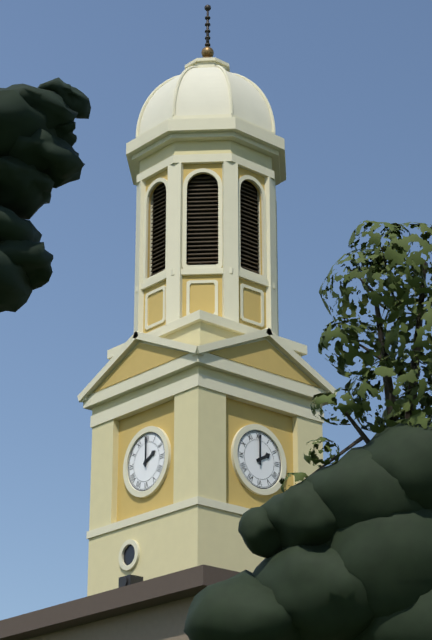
2:00
